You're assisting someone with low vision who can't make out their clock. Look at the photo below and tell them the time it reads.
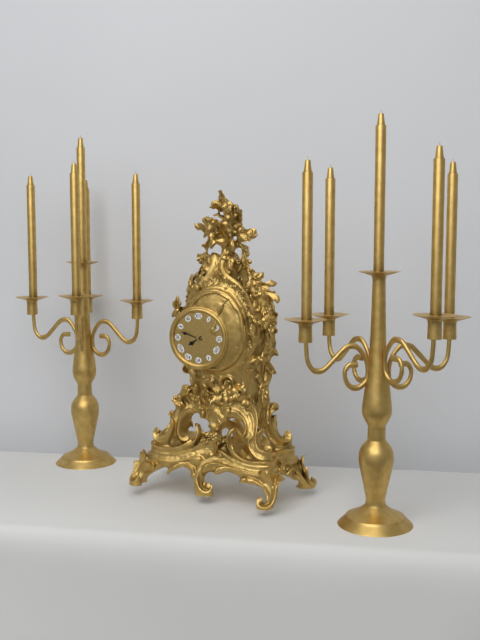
7:48
